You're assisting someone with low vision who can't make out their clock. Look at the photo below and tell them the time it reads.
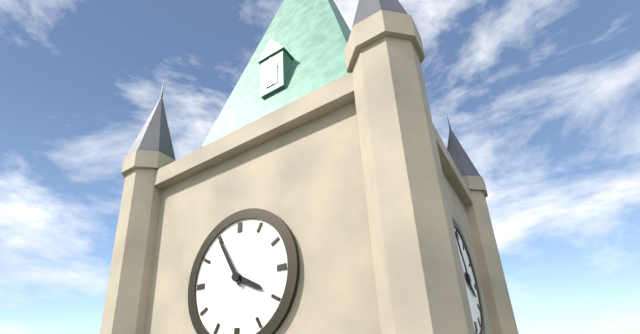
3:55
